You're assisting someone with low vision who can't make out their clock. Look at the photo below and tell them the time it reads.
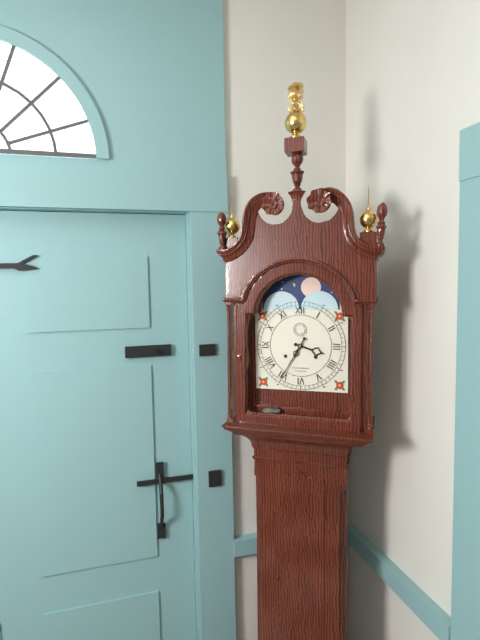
3:35
